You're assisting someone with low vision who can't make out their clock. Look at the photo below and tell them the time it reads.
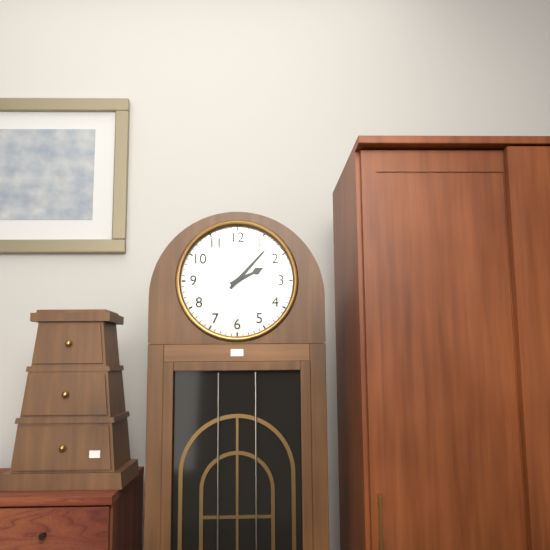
2:07
